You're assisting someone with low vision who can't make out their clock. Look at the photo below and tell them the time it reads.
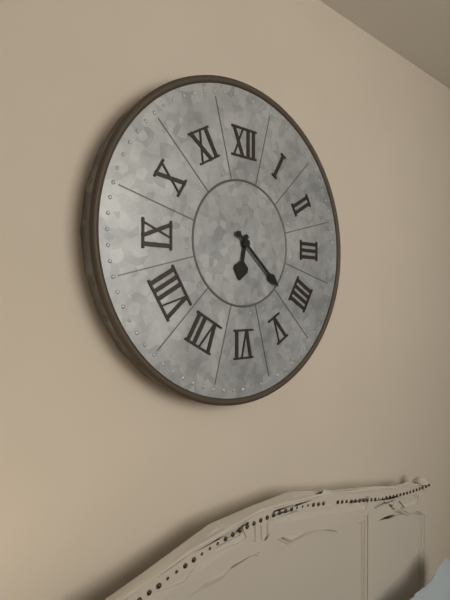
6:22
